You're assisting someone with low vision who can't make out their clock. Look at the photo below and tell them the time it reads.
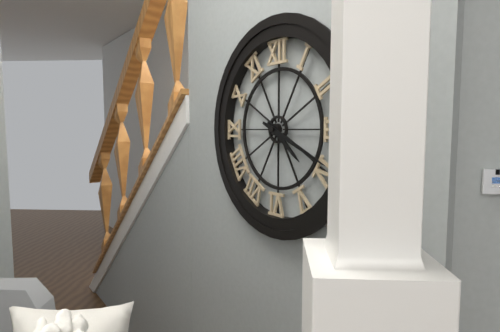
4:19
